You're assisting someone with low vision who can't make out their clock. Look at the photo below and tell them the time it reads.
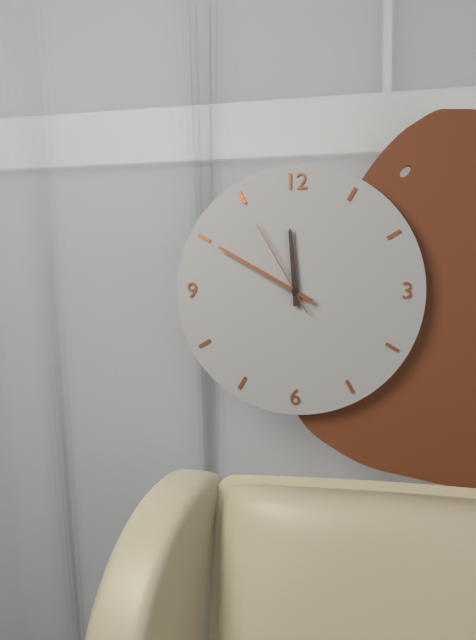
11:50:55
